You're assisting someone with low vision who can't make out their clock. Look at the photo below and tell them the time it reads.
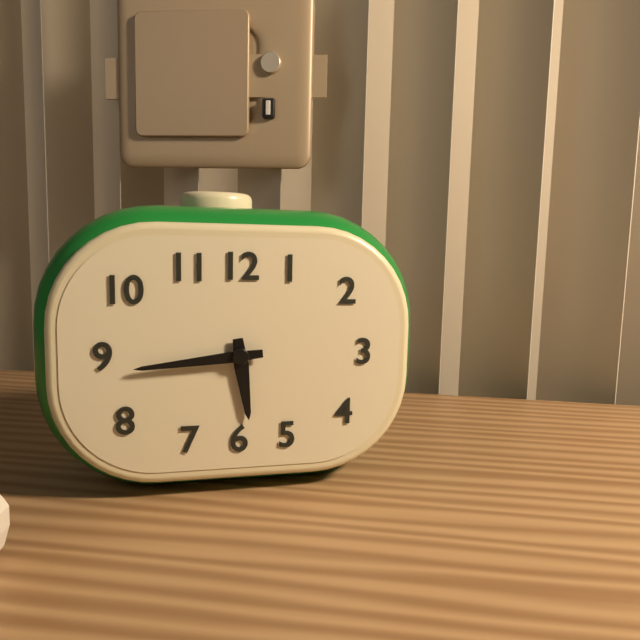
5:44
